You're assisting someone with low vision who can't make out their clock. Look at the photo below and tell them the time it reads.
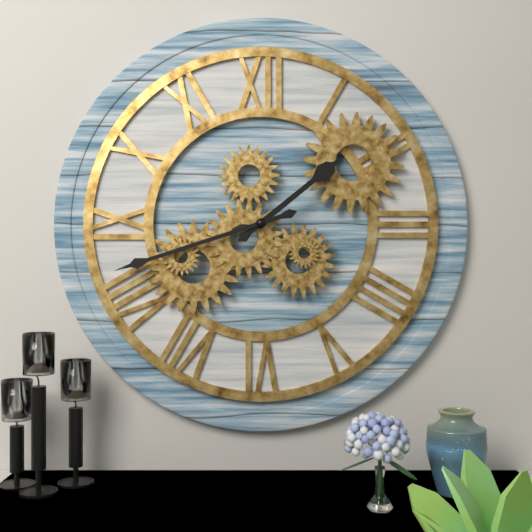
1:42
